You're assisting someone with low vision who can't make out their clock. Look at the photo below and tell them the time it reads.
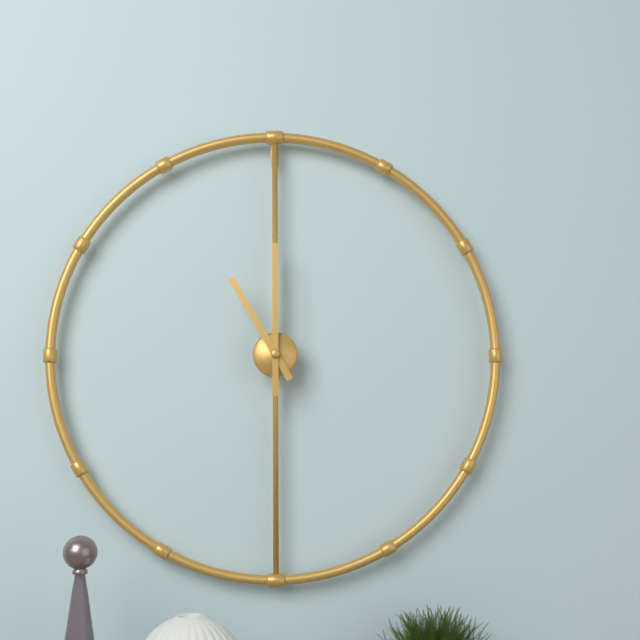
11:00
